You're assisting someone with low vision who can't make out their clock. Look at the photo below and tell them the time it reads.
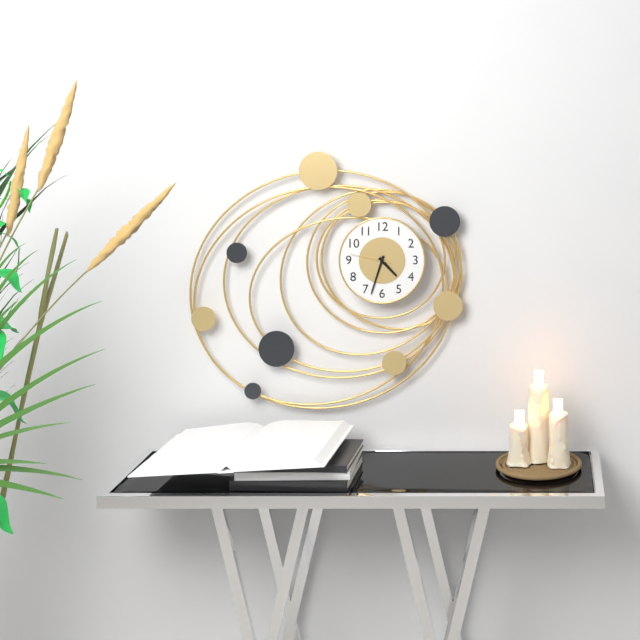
4:33
